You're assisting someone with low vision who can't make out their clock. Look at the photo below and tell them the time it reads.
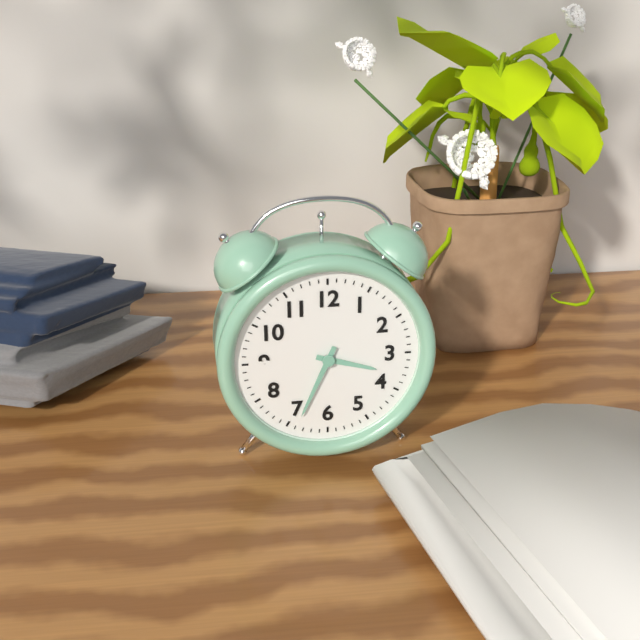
3:34
